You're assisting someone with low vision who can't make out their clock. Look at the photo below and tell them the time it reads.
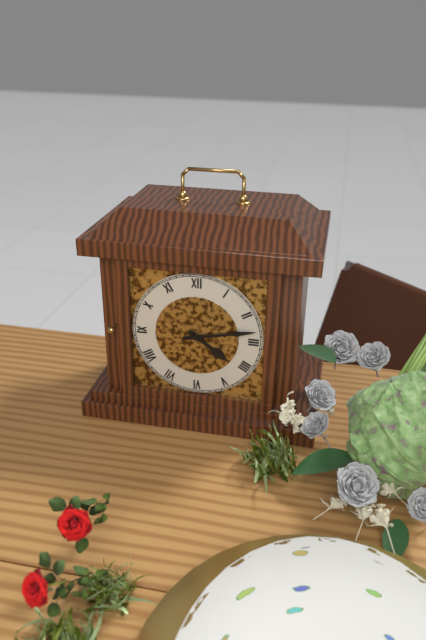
4:13
